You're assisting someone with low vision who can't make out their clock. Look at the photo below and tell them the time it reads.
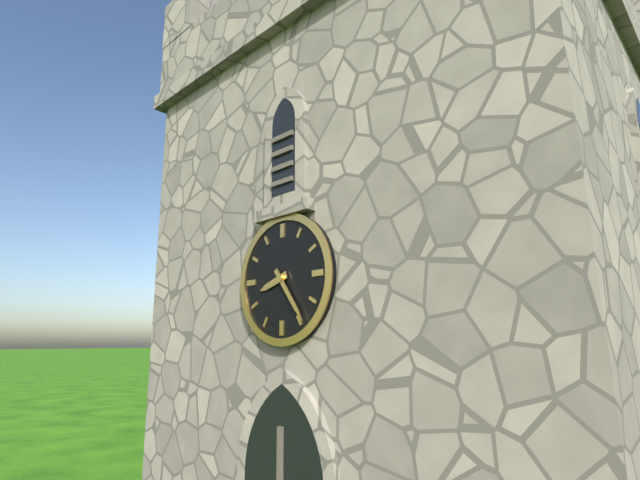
8:24
